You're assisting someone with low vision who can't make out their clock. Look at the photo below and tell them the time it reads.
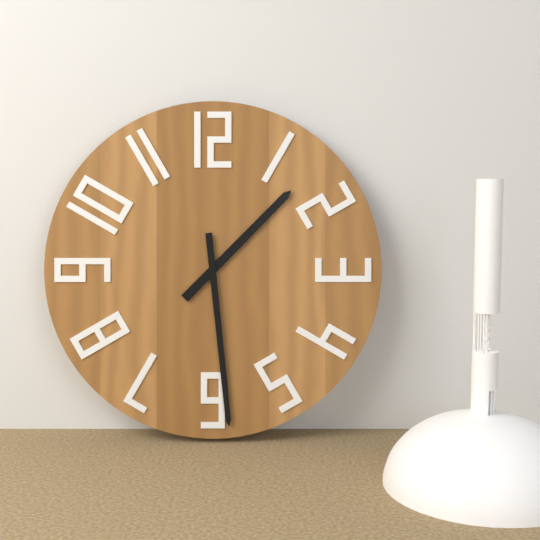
1:29
